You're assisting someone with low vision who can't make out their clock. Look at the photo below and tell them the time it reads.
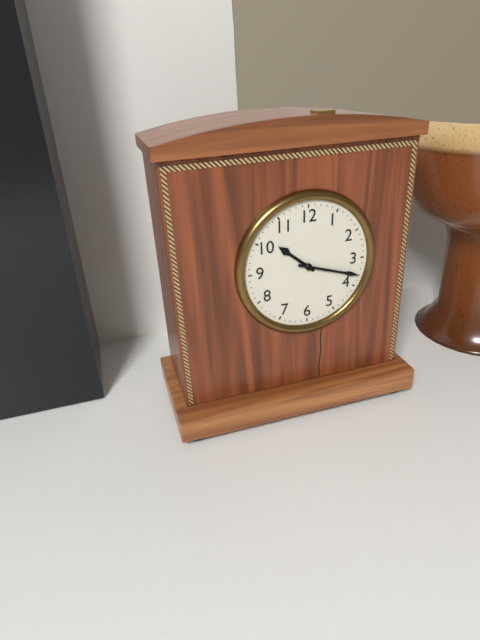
10:18
